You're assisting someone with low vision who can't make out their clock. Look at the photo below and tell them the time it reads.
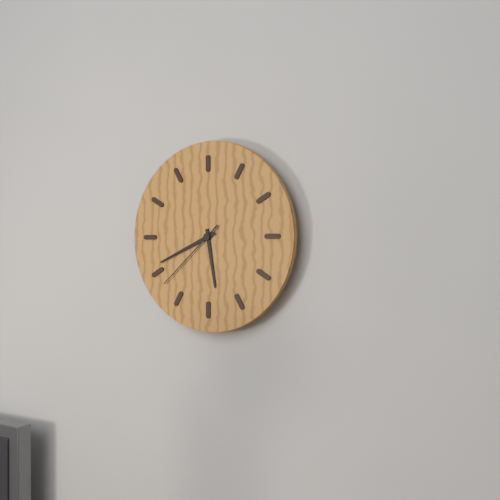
5:41:38
